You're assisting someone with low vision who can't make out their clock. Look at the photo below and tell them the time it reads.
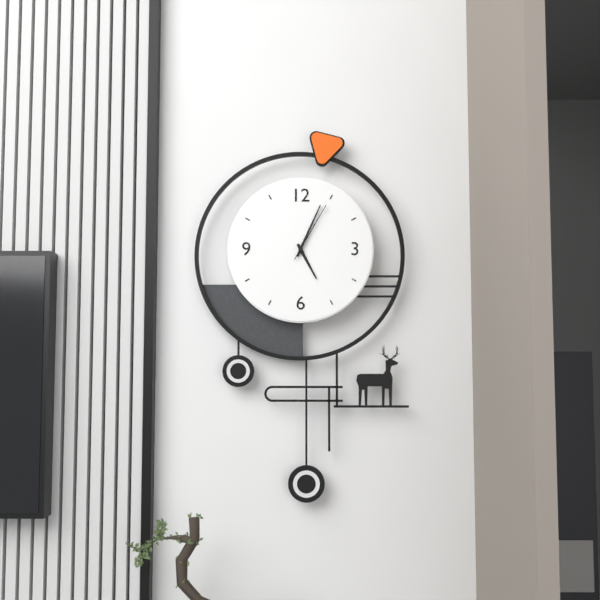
5:04:05
